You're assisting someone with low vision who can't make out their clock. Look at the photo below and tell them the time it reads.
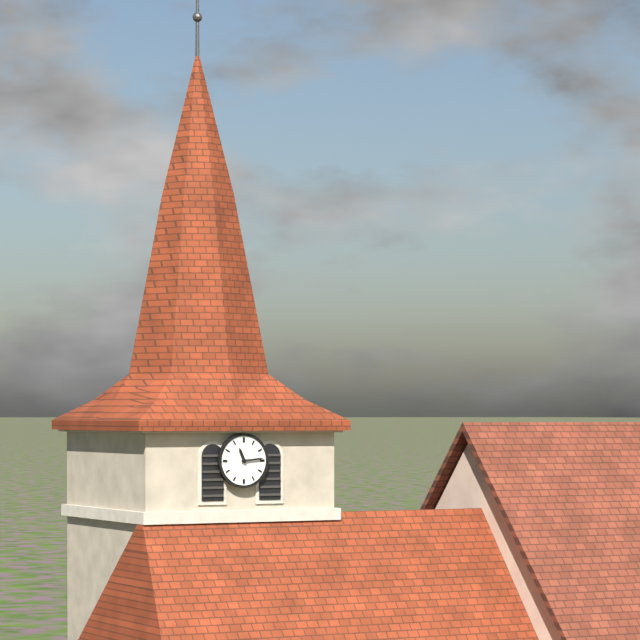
11:14
